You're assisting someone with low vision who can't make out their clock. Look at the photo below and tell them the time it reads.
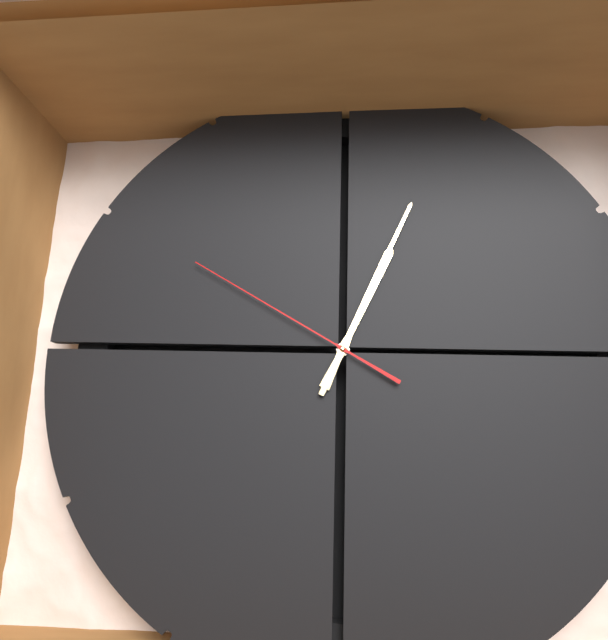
9:49:35
